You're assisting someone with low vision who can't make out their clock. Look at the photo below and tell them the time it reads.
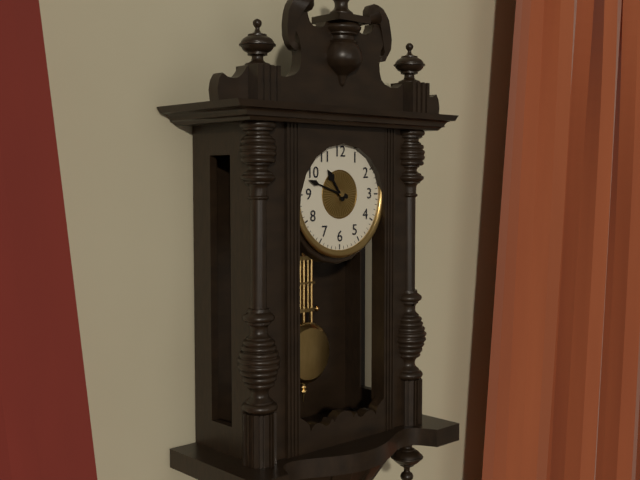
10:48
